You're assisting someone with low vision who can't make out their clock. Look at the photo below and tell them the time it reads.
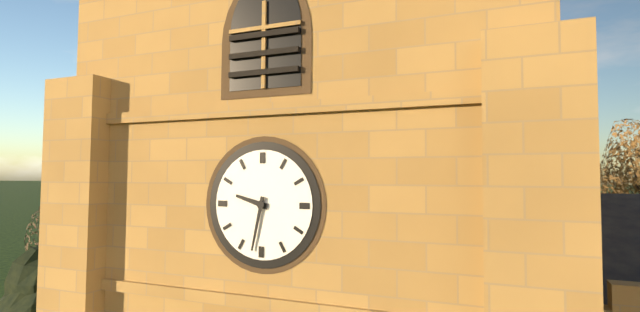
9:32
